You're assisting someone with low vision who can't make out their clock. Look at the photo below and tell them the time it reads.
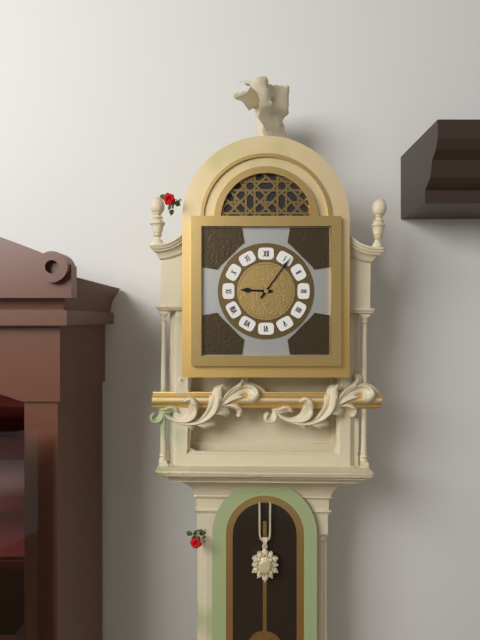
9:06
